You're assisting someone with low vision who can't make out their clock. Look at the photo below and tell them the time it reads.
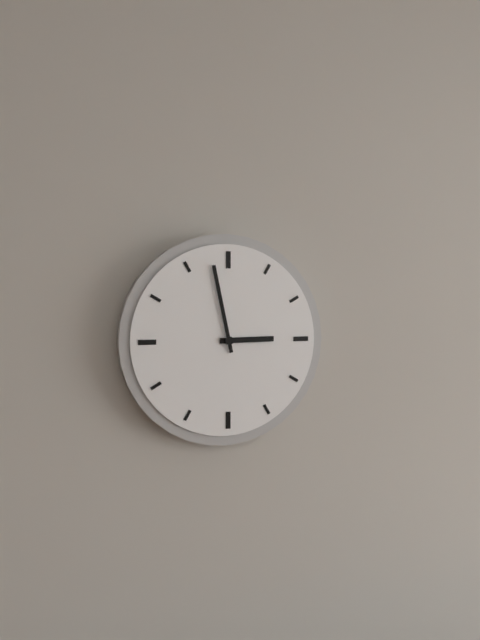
2:58
